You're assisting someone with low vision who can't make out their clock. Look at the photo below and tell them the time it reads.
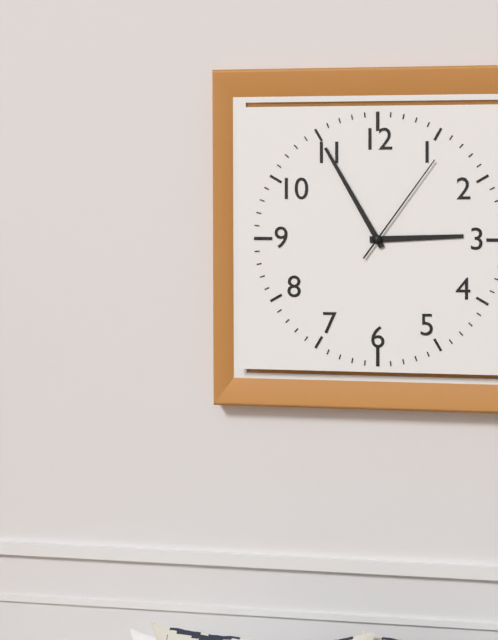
2:55:06
